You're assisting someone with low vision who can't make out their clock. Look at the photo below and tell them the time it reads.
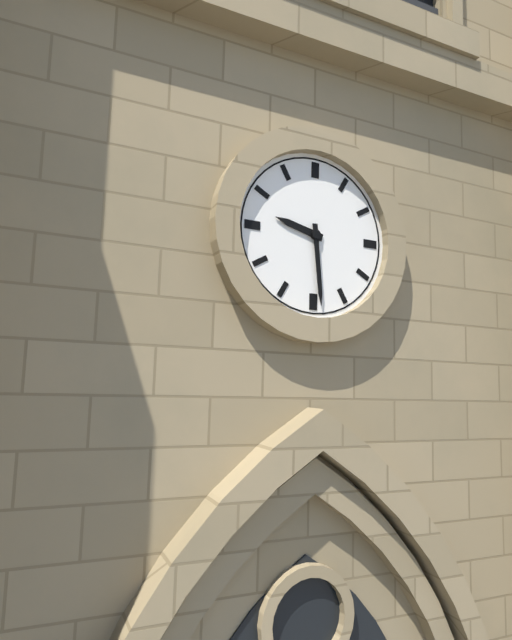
9:29
